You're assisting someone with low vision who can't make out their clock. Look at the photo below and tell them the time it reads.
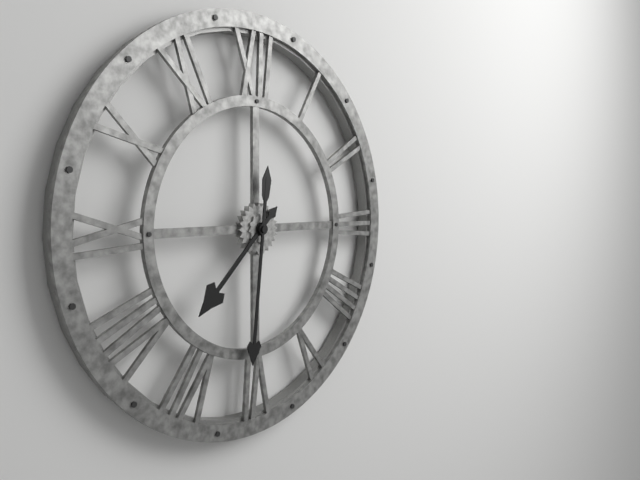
7:31
